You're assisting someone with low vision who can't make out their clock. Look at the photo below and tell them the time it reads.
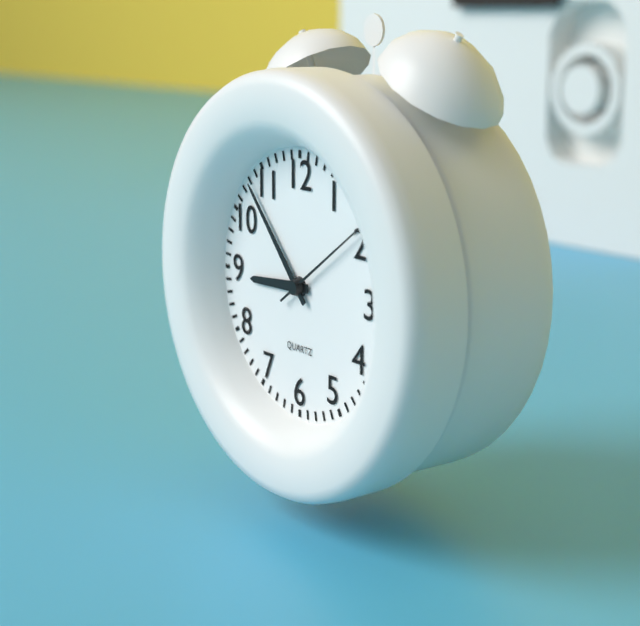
8:53:09
